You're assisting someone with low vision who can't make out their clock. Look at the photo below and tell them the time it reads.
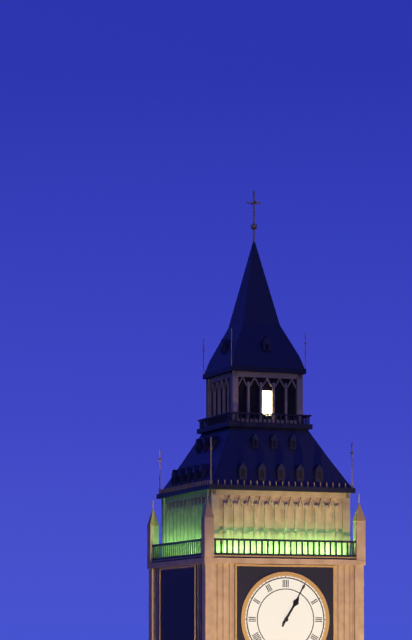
1:05
